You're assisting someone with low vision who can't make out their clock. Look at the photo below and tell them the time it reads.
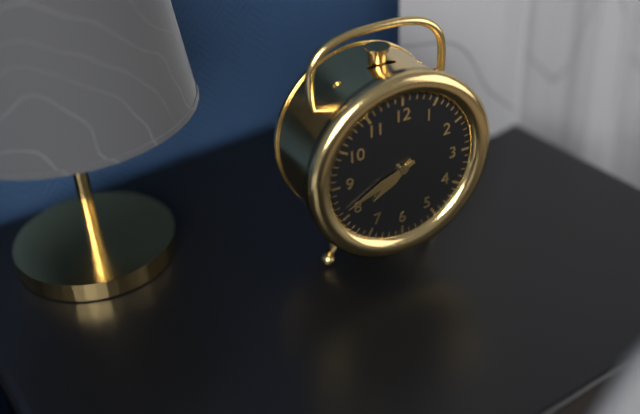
7:41
